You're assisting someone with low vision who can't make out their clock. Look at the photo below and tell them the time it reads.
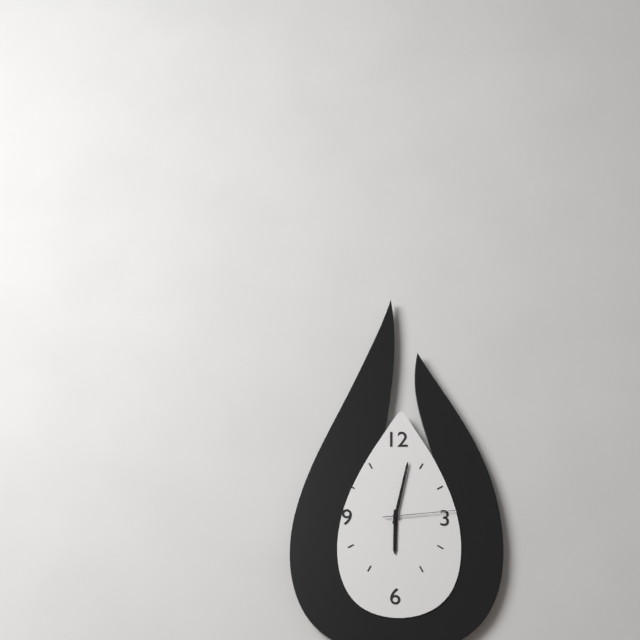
6:02:14
